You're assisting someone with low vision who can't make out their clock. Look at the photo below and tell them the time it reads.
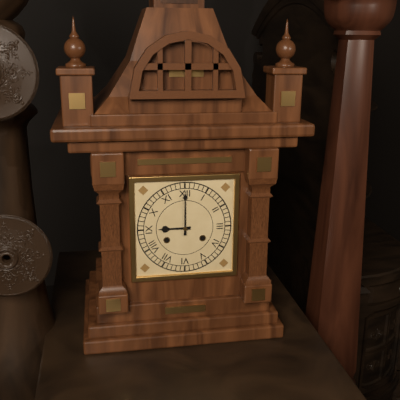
9:00
